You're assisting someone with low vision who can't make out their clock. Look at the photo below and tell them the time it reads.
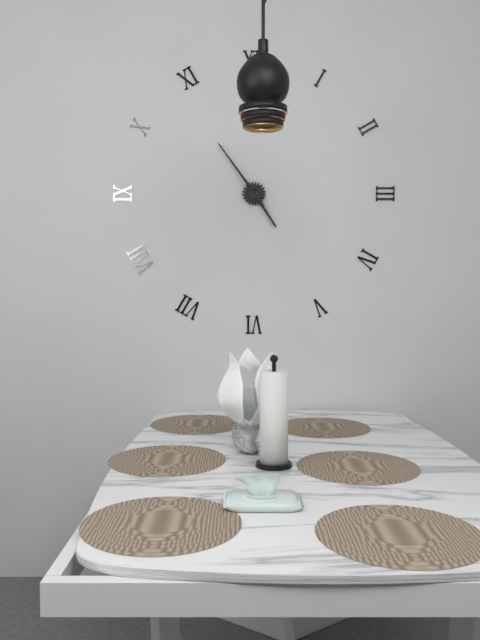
4:54
